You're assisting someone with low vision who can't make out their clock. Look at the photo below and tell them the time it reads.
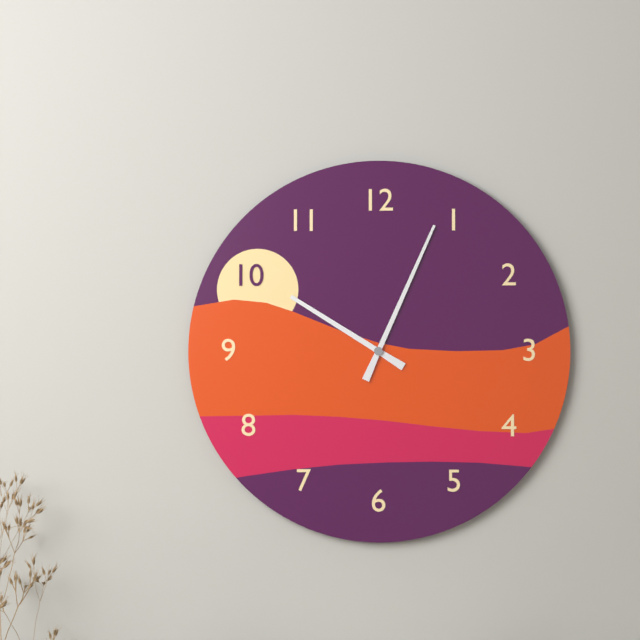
10:04
